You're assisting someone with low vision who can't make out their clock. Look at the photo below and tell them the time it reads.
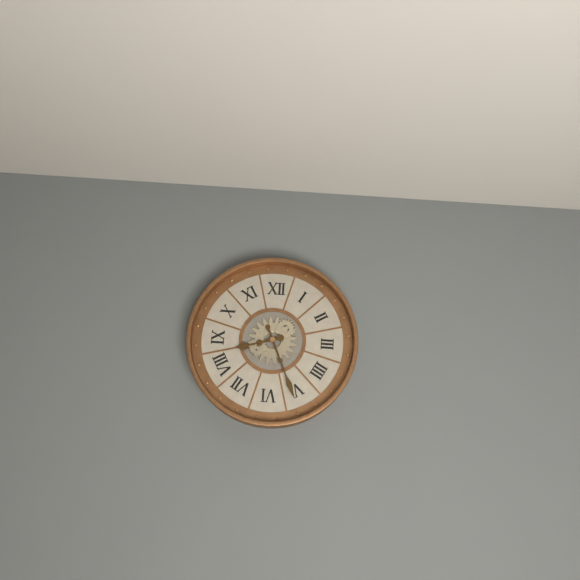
8:26
